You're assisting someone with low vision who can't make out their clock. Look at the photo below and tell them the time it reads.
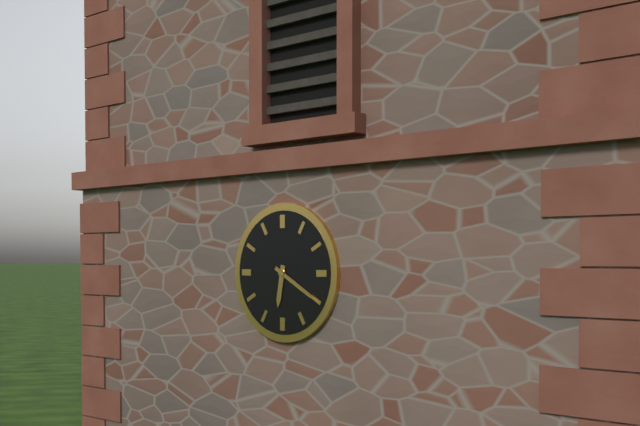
6:20
